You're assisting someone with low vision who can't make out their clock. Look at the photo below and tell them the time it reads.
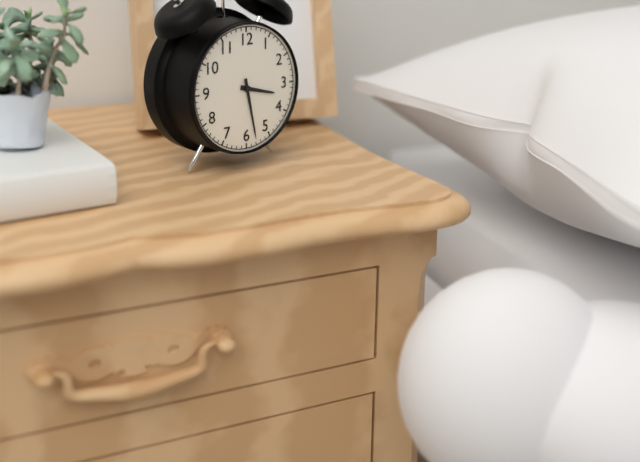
3:28
